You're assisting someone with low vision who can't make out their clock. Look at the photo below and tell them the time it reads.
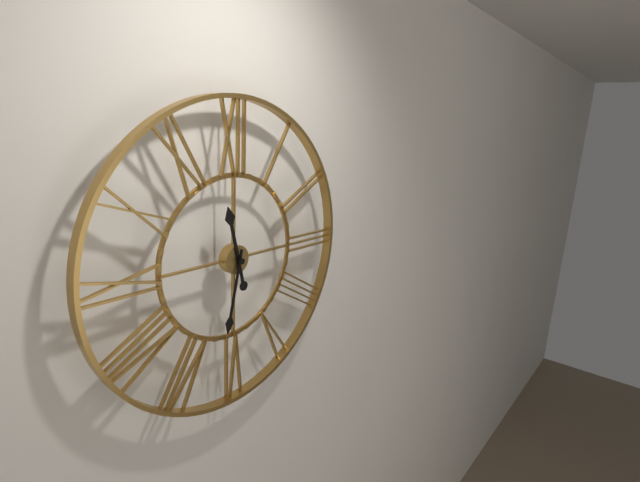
11:32
